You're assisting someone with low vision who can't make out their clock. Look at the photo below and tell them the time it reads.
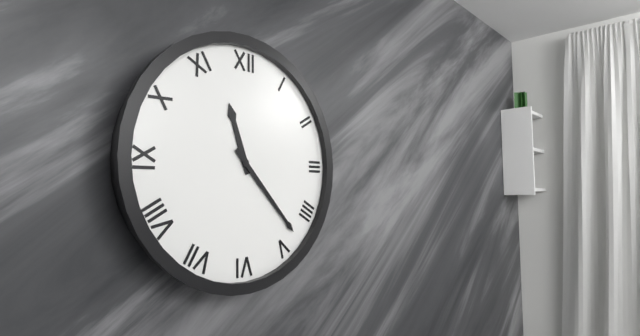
11:23
